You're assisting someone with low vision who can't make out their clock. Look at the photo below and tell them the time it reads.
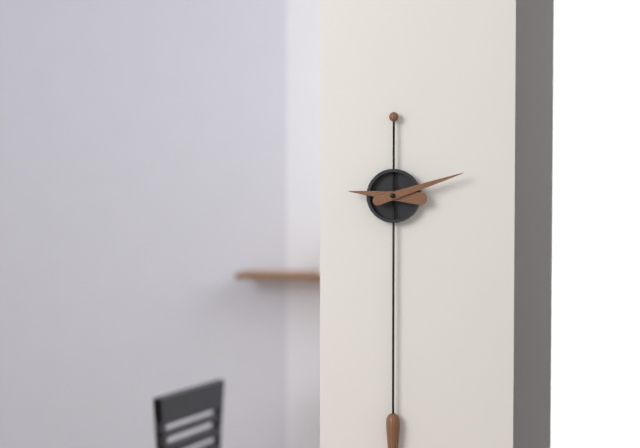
9:12
